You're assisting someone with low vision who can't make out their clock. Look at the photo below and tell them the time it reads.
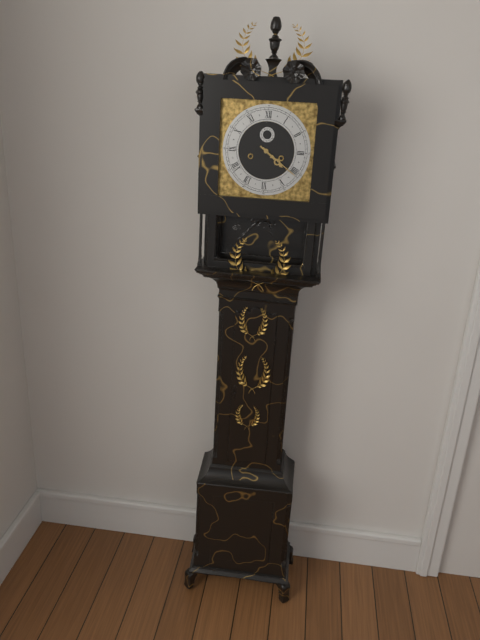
4:21
